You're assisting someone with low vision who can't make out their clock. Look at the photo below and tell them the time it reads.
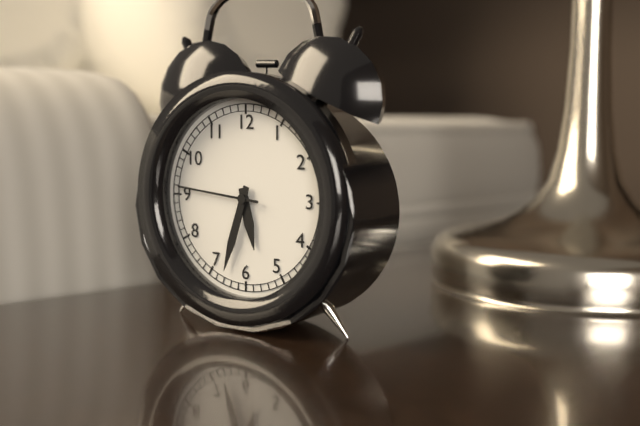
5:33:46
